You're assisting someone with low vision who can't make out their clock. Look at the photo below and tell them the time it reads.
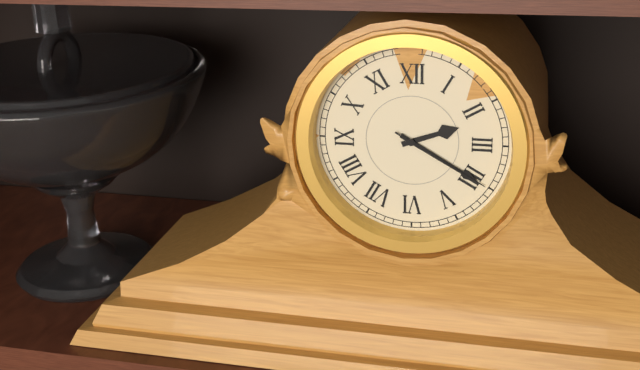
2:20:20
